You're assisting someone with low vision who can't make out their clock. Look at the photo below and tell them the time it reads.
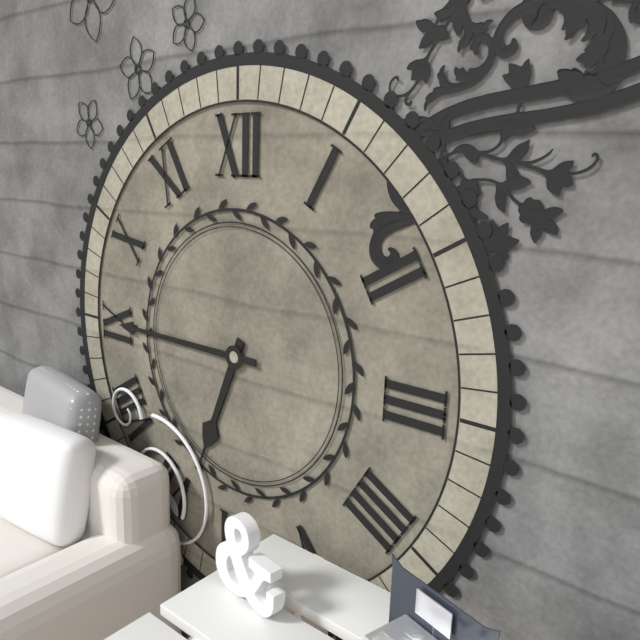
6:45
